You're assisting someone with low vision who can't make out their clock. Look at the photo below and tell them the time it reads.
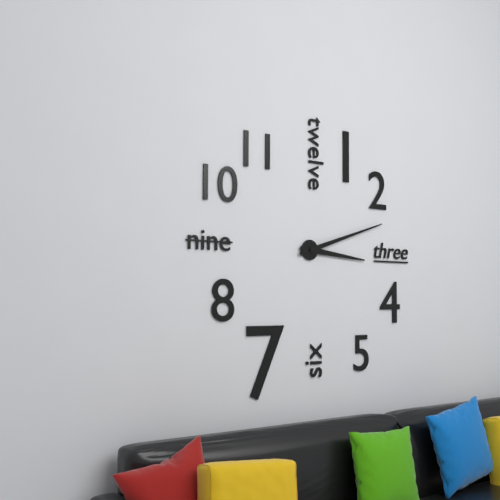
3:12
